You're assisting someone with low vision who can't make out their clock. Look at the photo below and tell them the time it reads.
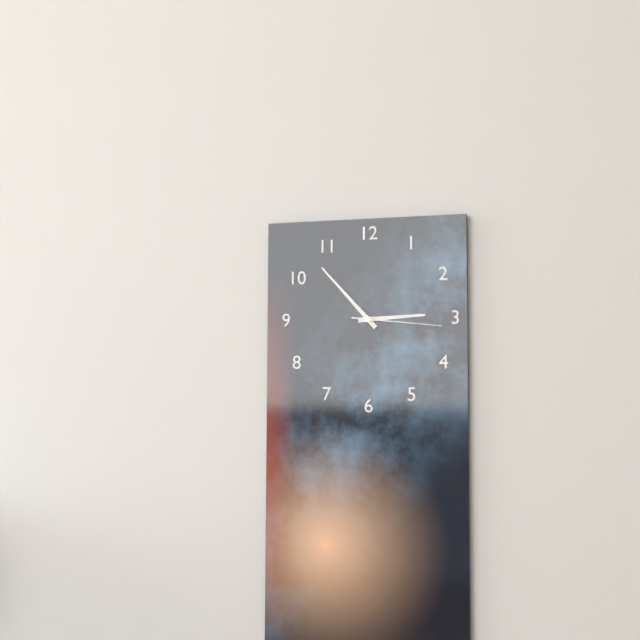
2:53:16
